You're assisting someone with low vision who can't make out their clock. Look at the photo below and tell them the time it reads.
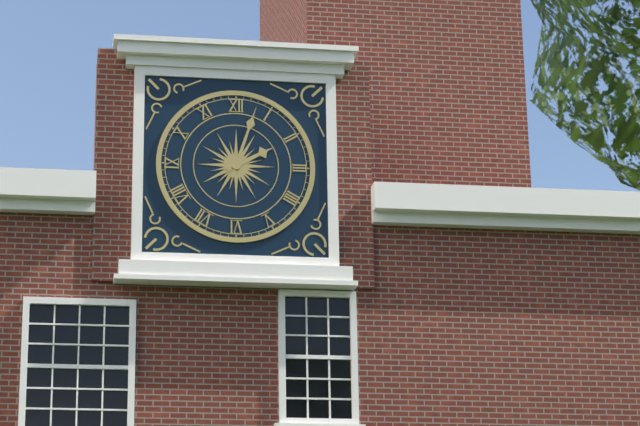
2:03
